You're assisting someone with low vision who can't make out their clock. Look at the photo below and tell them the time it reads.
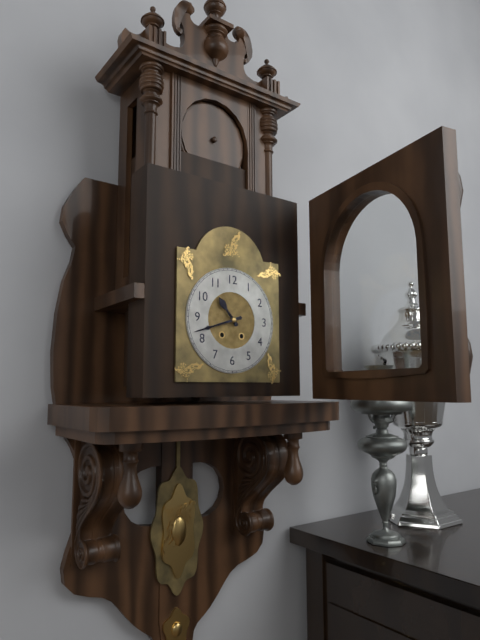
10:42
